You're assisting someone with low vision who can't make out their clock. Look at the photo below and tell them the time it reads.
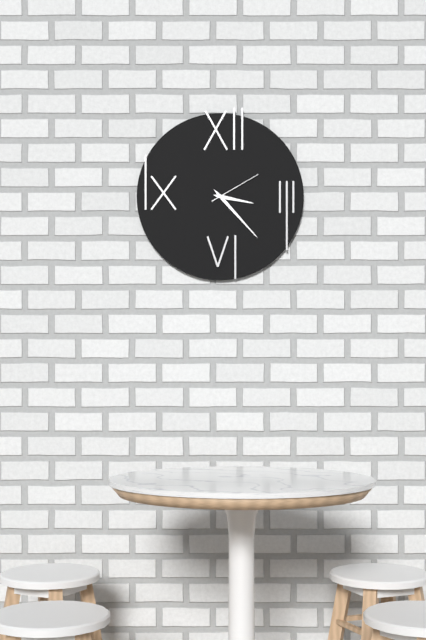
3:23:10
